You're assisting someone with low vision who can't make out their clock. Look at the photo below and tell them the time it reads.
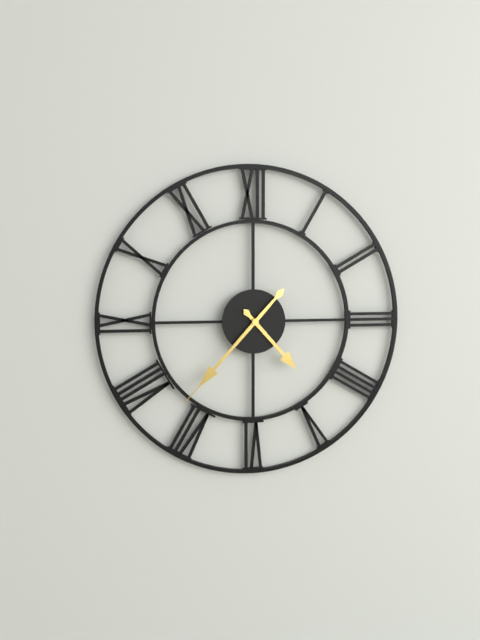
4:37
